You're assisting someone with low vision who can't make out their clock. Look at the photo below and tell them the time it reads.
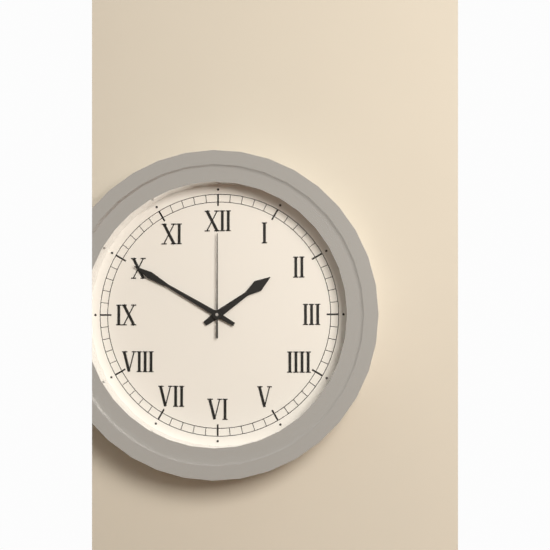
1:50:00
